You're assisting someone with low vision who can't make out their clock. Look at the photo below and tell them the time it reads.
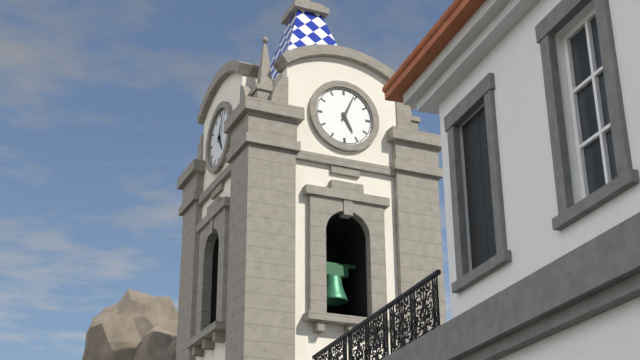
5:04
